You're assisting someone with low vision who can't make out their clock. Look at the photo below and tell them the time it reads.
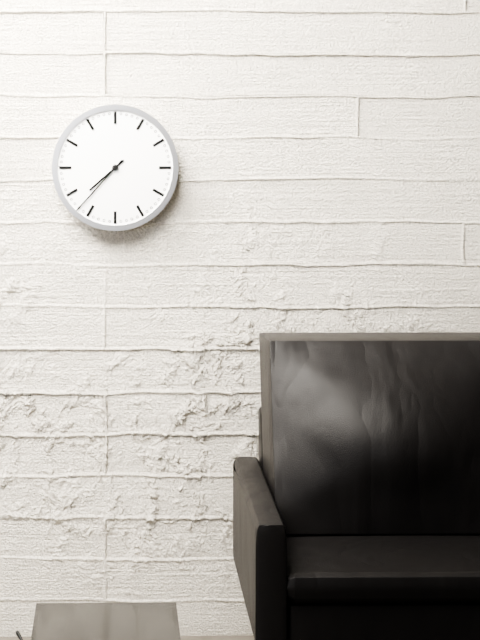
7:37
